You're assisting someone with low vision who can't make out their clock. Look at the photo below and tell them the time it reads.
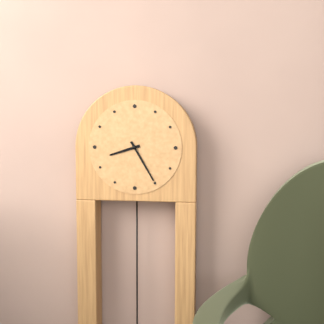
8:25
